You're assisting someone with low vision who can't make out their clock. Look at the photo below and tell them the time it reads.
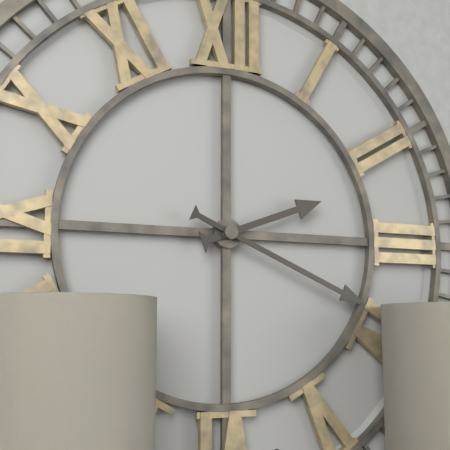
2:19
